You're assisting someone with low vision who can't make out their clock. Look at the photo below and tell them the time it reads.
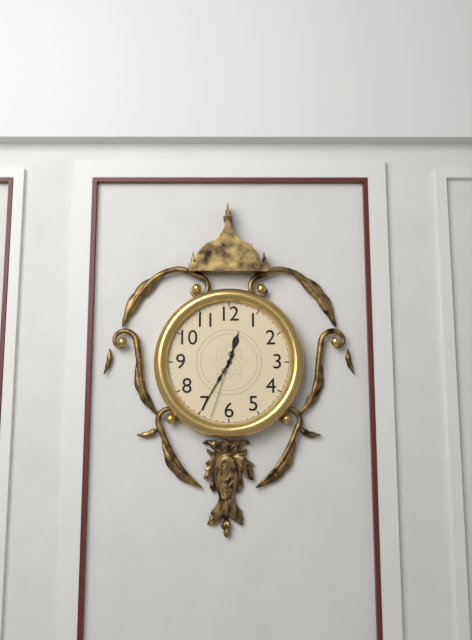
12:35:33
